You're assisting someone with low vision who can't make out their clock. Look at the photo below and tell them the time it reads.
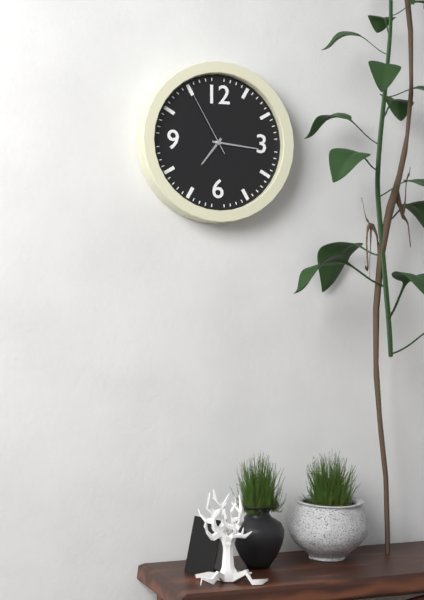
7:16:55
